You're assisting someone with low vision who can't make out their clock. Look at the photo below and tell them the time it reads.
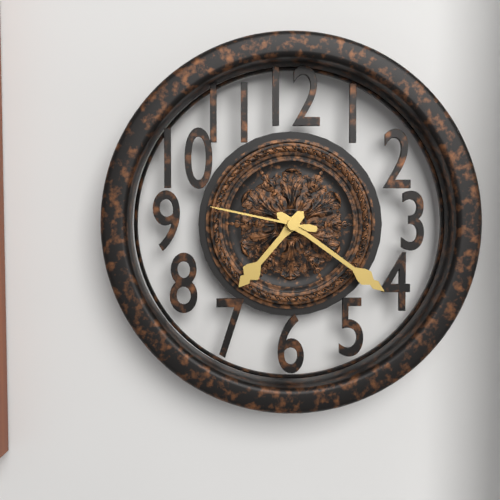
7:21:47
